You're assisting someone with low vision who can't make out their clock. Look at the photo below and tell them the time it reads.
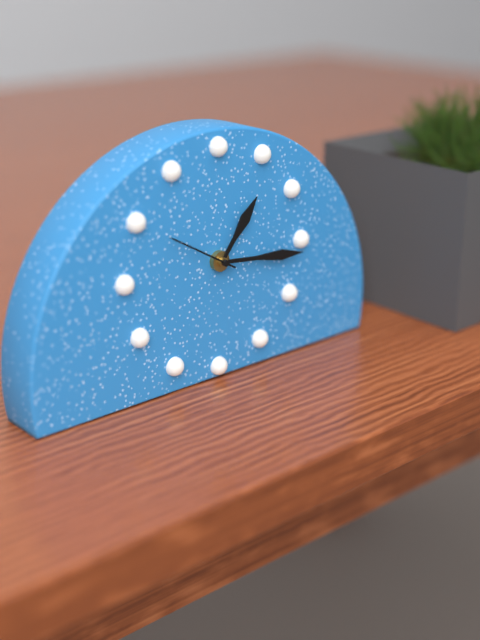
1:16:50
